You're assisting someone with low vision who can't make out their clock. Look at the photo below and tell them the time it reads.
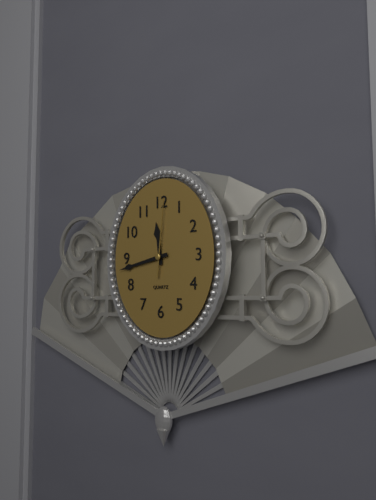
11:43:01
